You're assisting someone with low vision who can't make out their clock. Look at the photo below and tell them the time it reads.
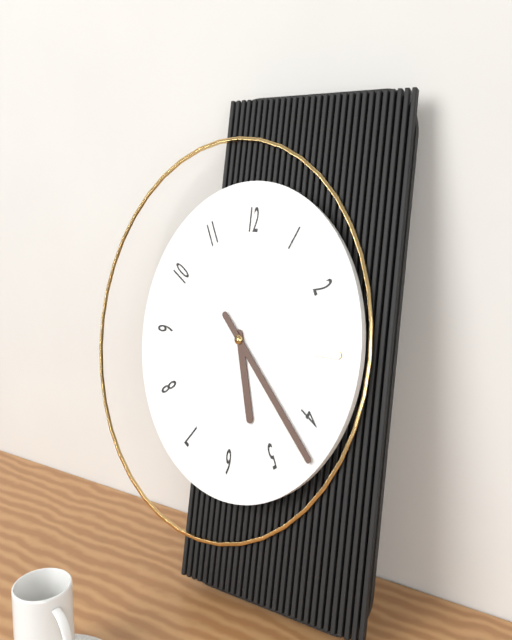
5:22
